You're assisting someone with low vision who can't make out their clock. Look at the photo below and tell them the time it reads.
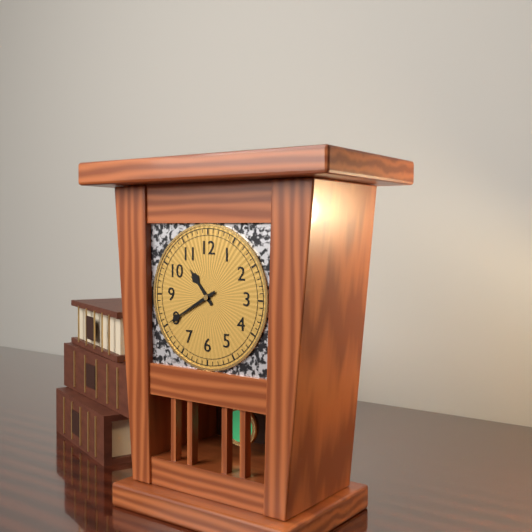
10:40
